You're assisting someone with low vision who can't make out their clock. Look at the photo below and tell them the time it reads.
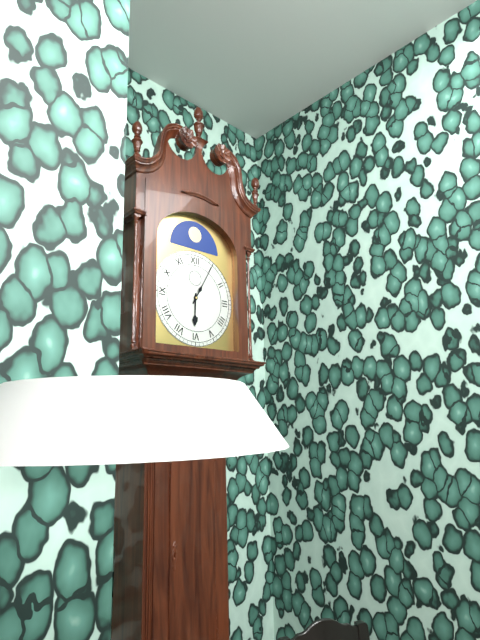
6:05
